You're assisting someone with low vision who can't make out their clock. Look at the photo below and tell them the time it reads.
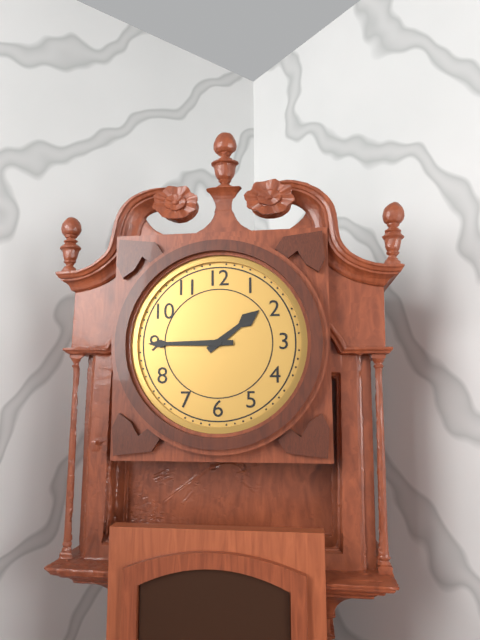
1:45
